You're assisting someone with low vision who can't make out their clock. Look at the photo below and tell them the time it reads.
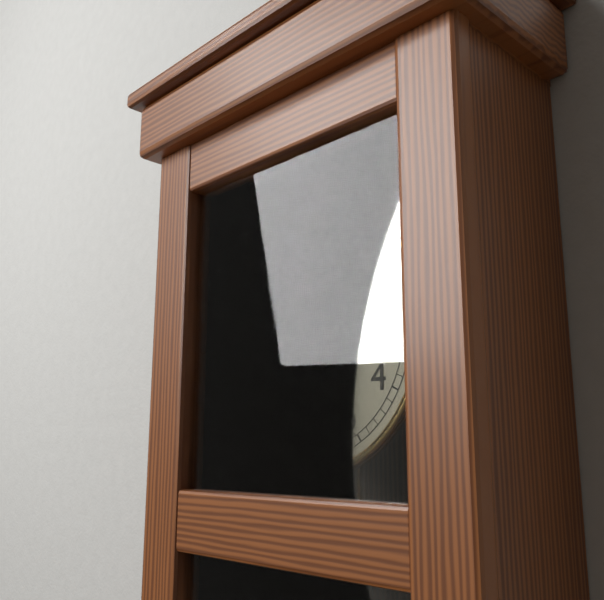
11:31
